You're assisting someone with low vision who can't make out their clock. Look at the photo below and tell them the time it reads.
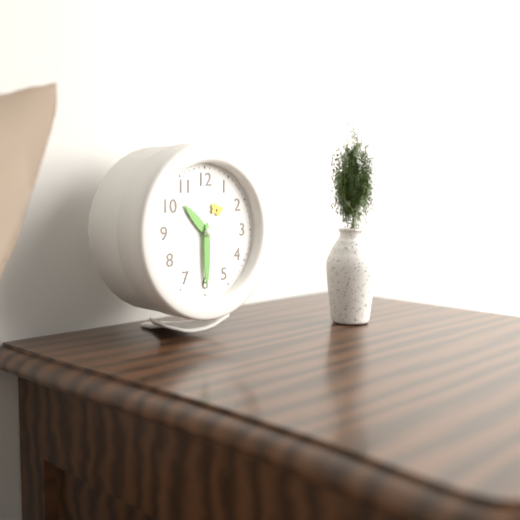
10:30
